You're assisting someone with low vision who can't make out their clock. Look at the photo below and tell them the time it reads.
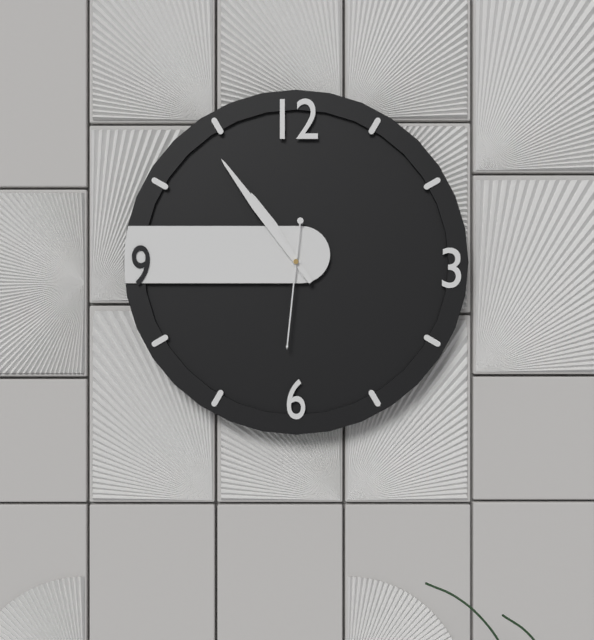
10:54:31
